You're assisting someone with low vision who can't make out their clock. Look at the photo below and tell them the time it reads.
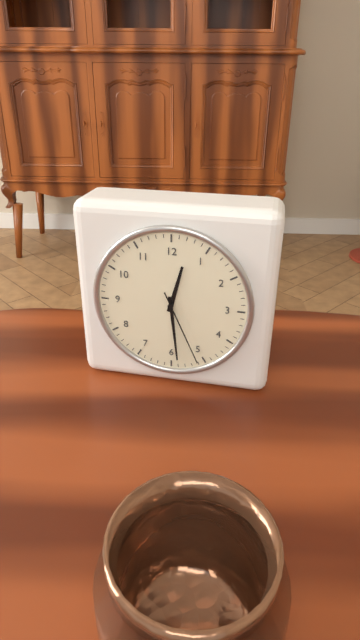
12:29:26
